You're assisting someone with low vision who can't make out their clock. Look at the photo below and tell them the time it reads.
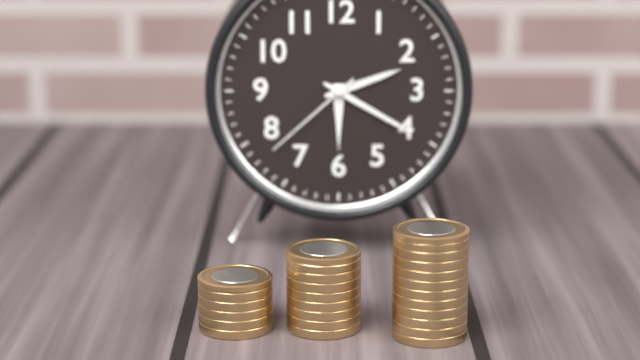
2:20:38
